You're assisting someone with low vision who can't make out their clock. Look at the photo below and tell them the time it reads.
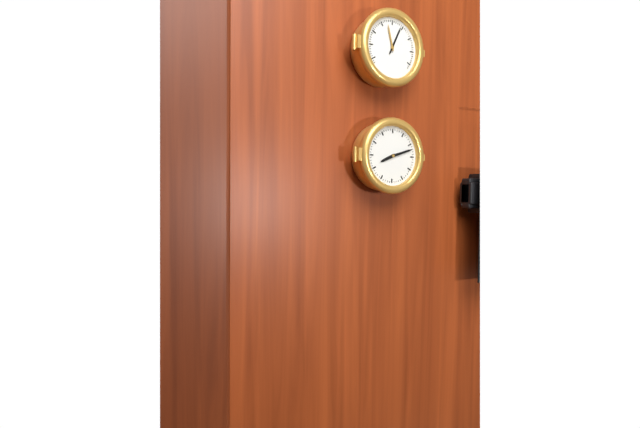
8:12
